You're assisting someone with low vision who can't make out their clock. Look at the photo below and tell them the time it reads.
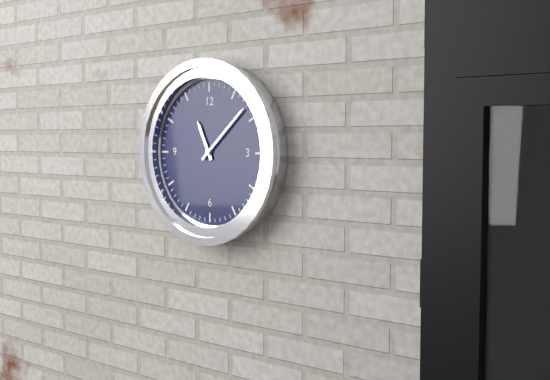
11:08
